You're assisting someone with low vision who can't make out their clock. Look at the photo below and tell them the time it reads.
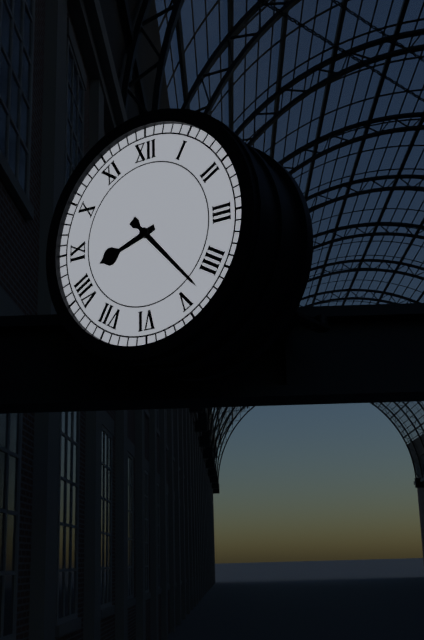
8:23
